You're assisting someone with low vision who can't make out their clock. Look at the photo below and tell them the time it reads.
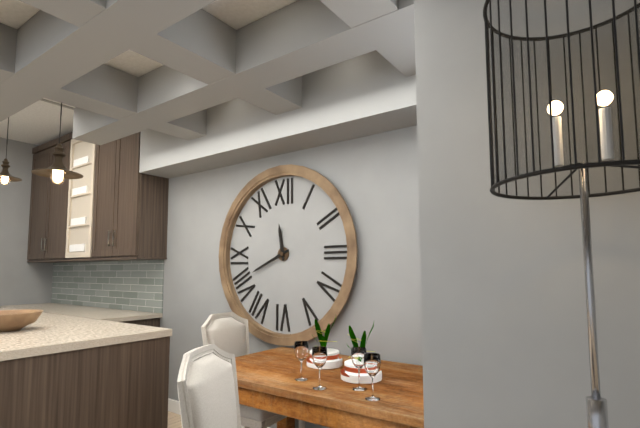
11:41
